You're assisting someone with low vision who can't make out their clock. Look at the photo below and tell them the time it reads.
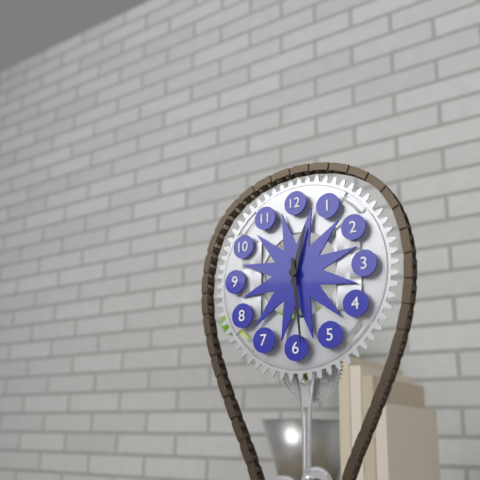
12:29
